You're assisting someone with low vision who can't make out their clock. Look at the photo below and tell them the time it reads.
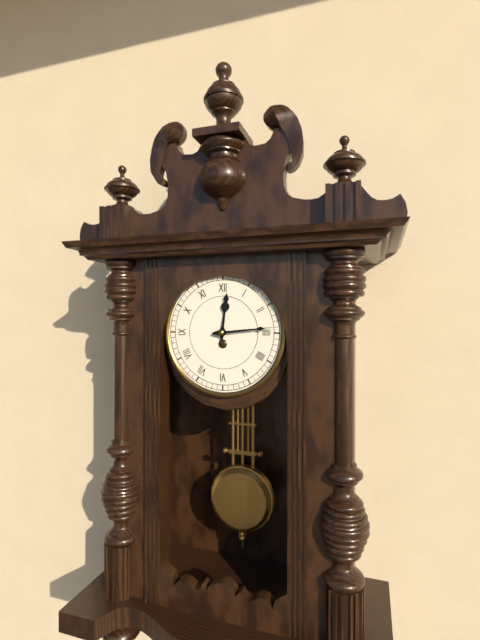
12:14
